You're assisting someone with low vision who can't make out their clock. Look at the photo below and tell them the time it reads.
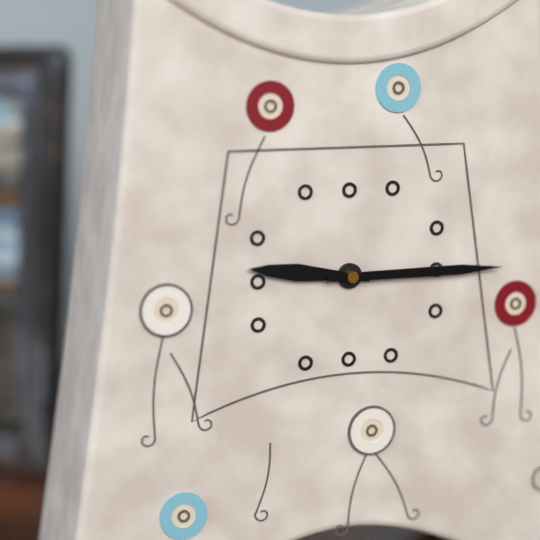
9:15
